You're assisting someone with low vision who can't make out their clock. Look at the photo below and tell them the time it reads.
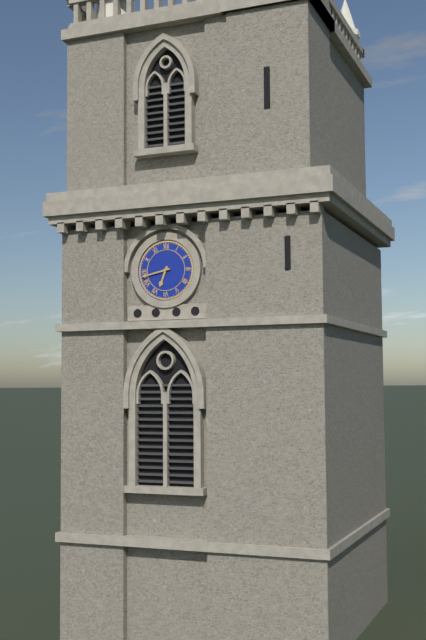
6:43
